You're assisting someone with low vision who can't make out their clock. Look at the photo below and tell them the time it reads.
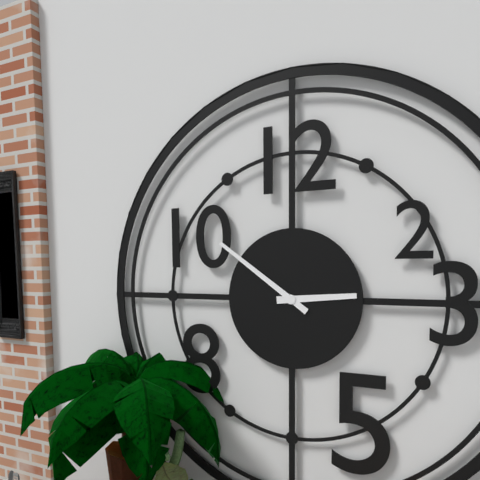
2:51
